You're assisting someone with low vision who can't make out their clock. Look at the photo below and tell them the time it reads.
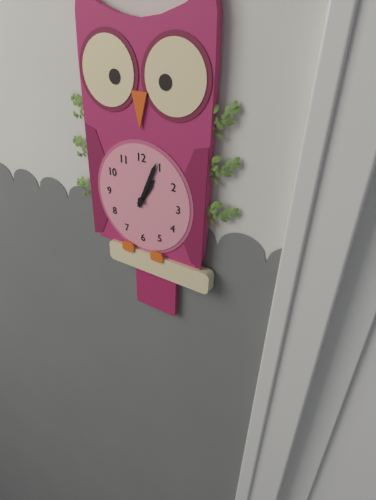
1:04
